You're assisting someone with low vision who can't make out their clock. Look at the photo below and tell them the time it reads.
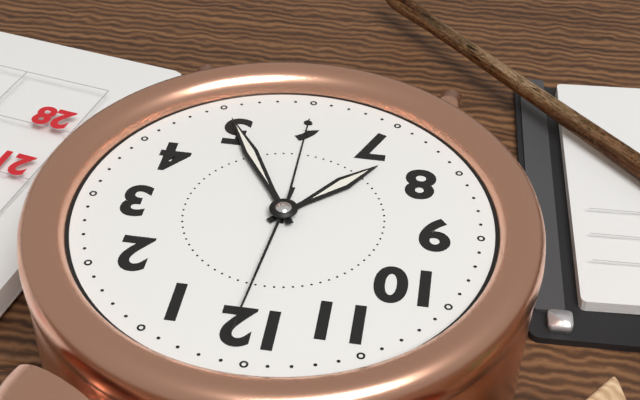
7:25:01
